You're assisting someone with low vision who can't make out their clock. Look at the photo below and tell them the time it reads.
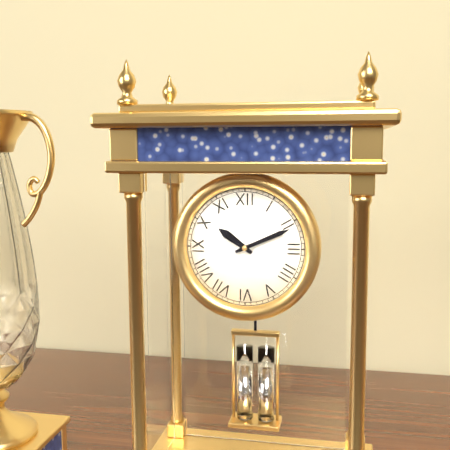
10:11
